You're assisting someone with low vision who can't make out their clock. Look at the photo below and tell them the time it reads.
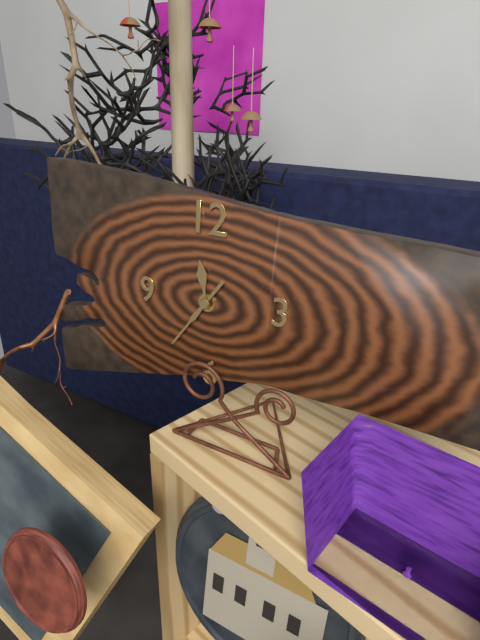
11:36
